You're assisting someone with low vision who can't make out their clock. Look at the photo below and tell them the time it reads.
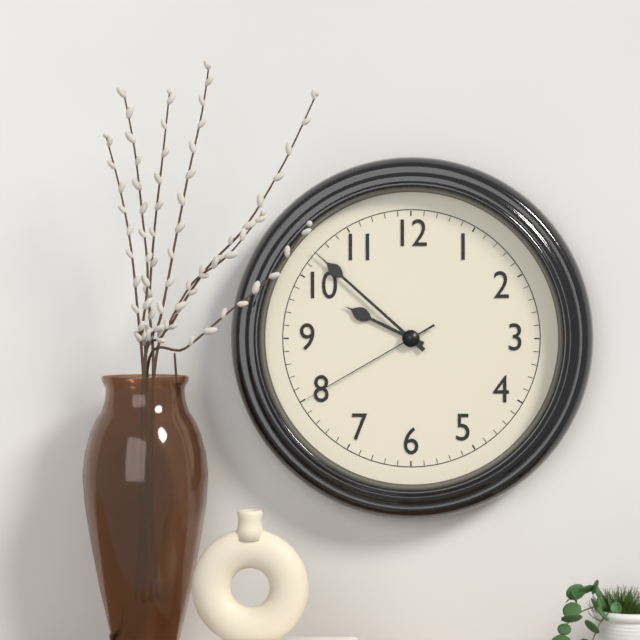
9:52:40
